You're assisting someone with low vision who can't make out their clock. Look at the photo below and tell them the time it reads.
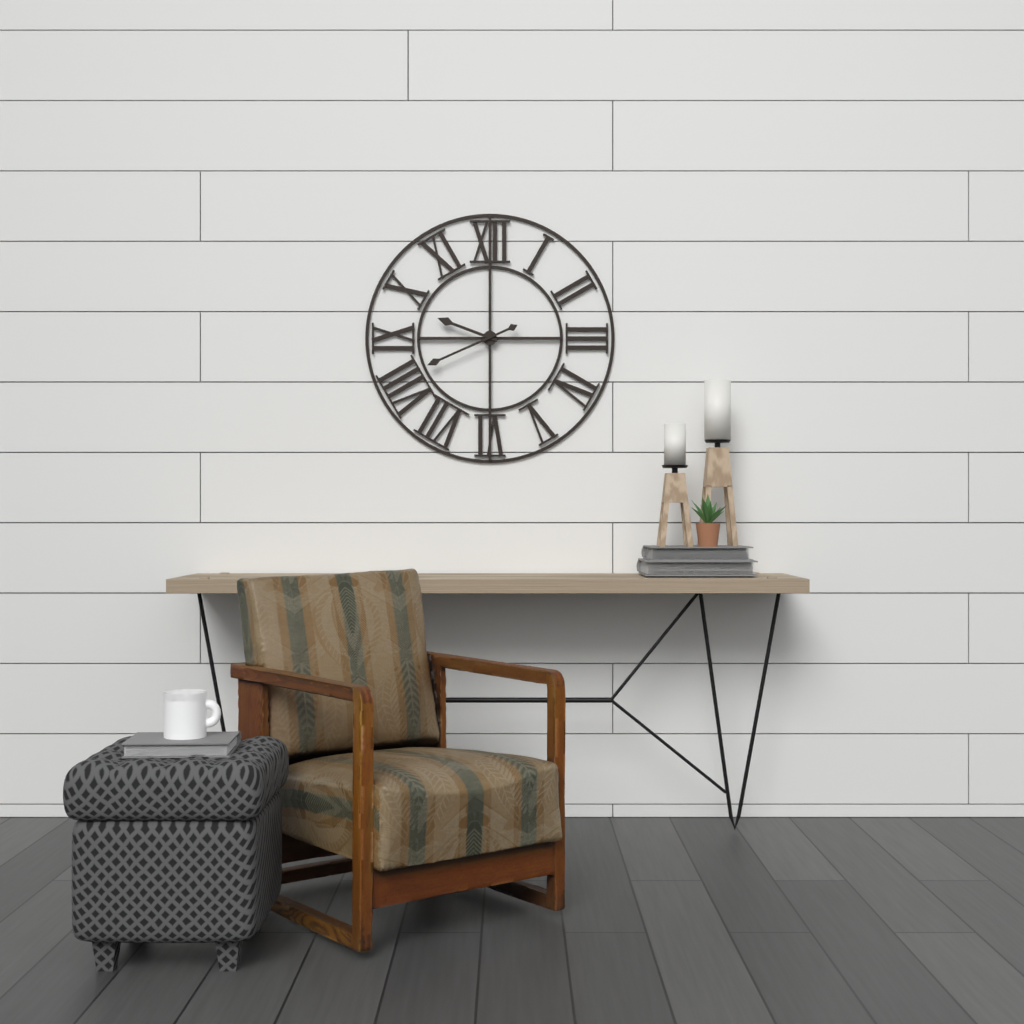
9:41
